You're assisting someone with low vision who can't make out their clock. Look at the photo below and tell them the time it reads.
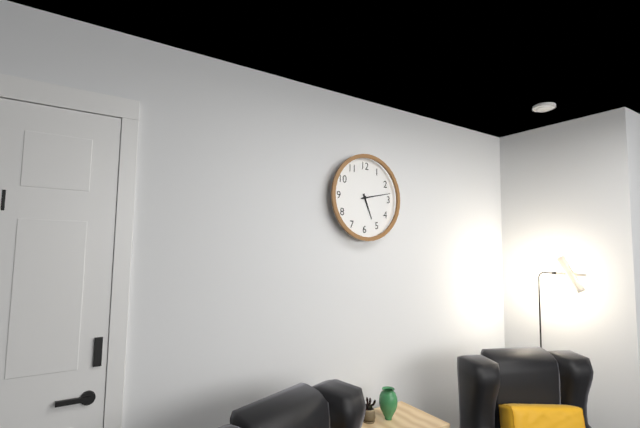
5:13
